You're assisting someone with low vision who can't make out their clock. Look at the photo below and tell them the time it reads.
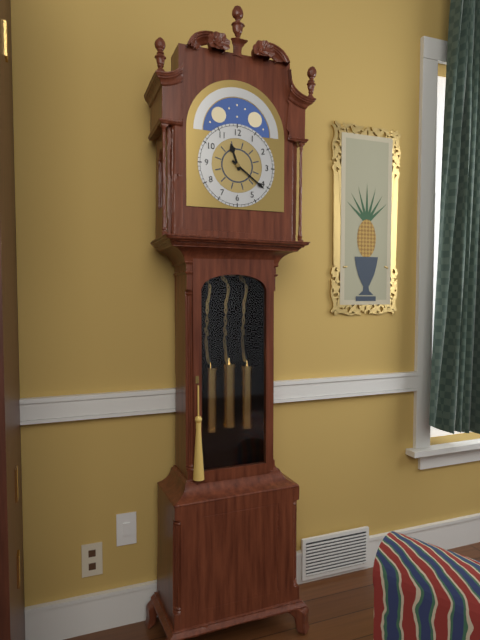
11:21
